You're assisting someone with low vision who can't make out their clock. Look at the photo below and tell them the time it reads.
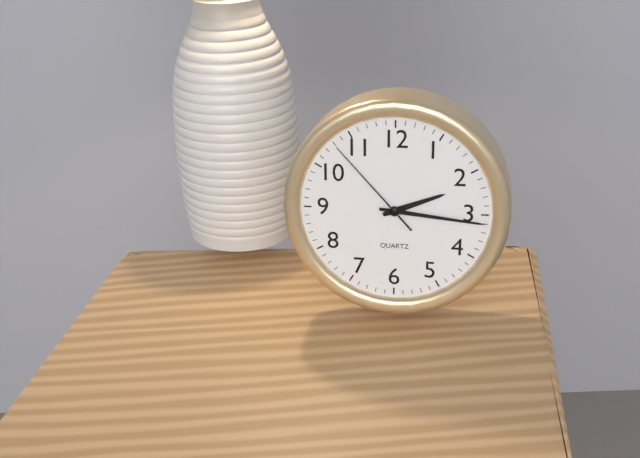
2:16:53
